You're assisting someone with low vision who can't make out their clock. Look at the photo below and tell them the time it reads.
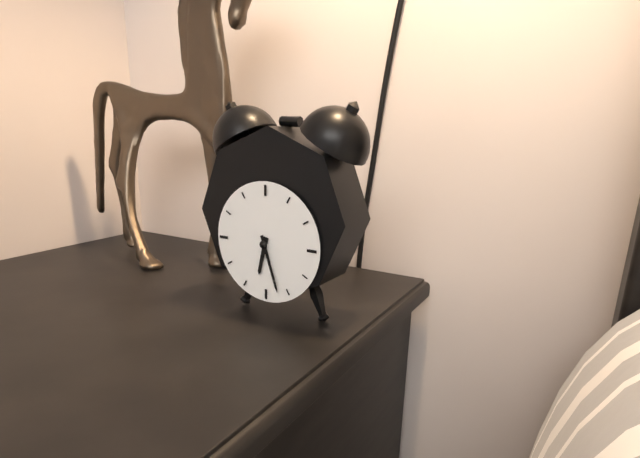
6:27
